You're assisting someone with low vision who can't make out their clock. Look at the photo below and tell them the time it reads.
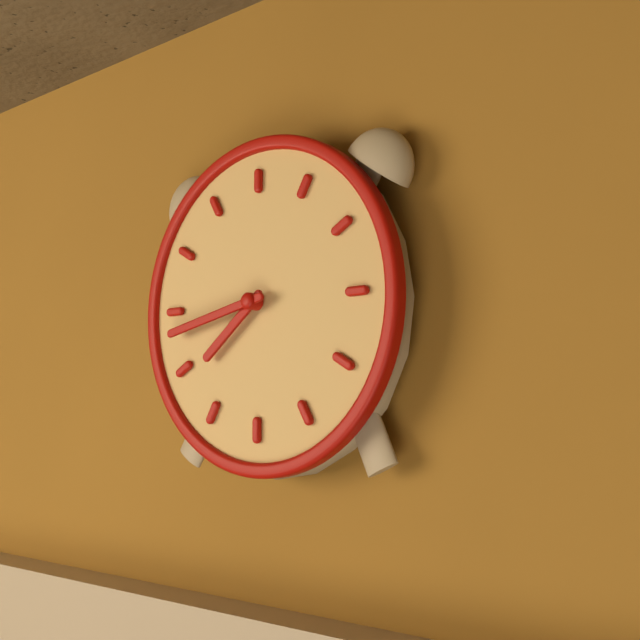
7:43
